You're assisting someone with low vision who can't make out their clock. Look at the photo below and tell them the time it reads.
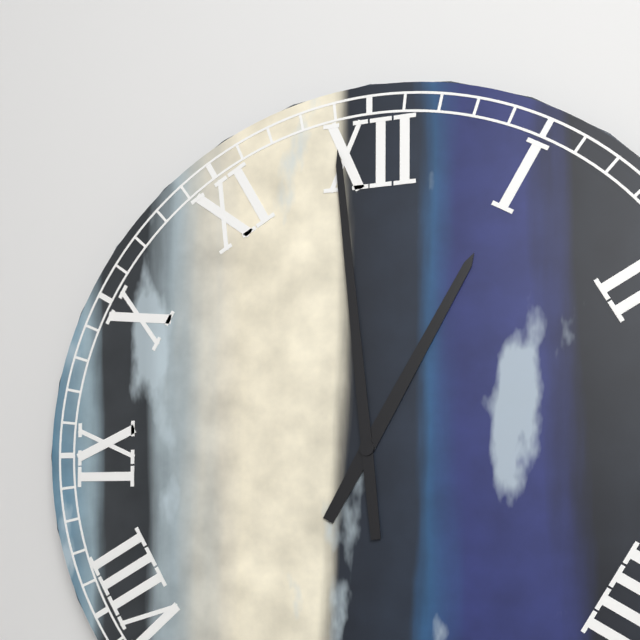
12:59
